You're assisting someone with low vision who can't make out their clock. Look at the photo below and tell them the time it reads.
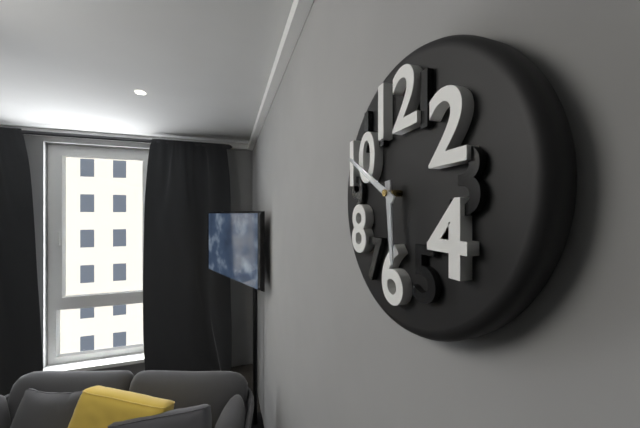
5:50
